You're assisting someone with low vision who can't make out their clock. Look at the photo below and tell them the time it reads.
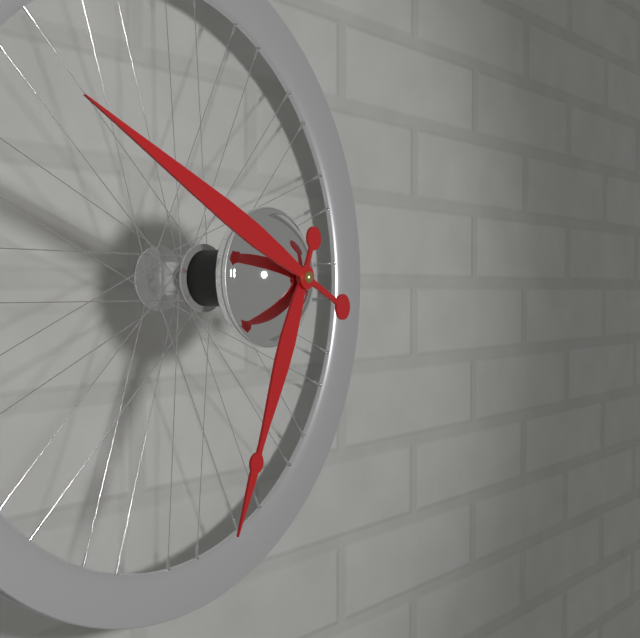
6:49
